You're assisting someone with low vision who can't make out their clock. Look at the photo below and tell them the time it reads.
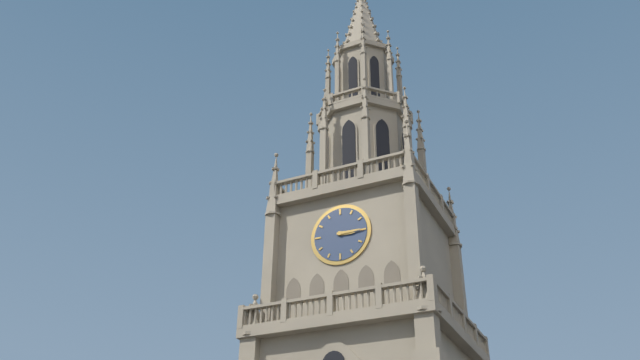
3:15
